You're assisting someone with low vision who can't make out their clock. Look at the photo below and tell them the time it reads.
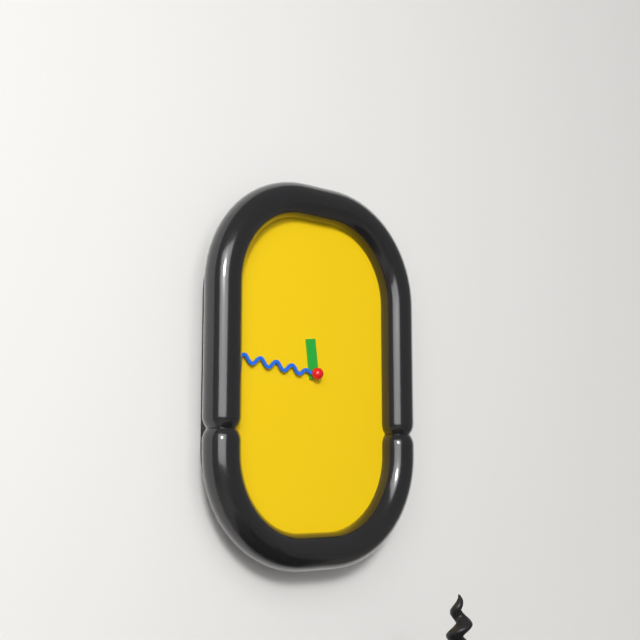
11:46
